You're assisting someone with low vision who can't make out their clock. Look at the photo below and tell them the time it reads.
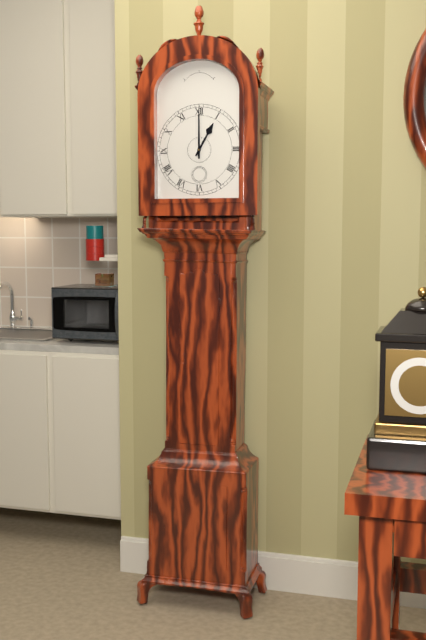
1:00
